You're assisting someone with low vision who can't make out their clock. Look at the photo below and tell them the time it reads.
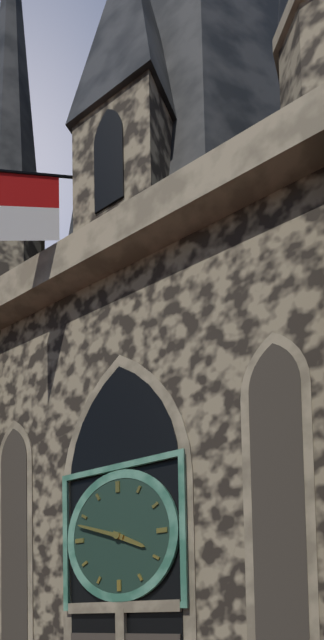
3:48
